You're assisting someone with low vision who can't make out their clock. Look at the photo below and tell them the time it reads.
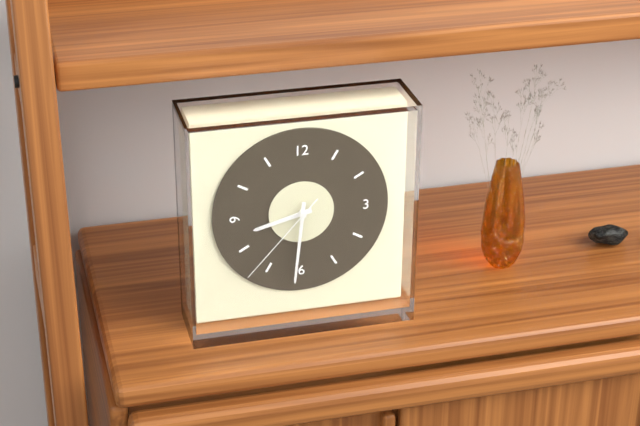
8:31:37
